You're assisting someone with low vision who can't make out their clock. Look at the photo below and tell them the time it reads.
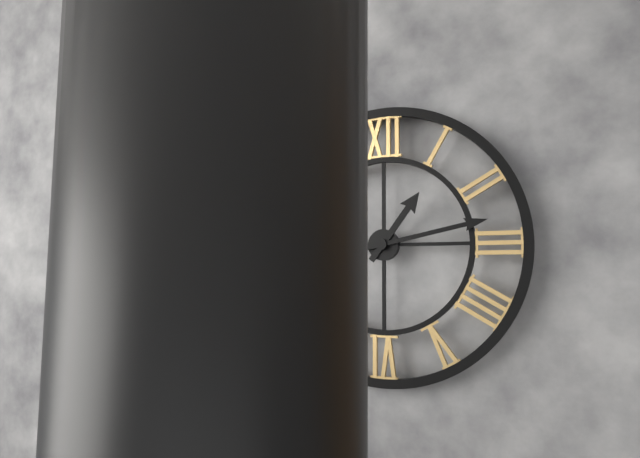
1:13
